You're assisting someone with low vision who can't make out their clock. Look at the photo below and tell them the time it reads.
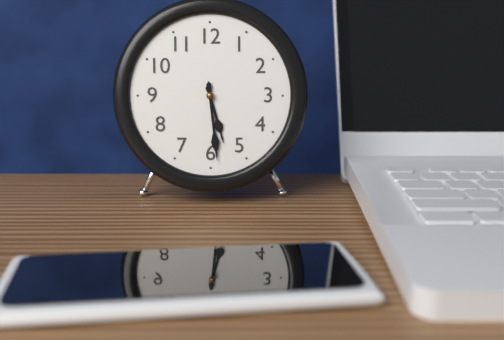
5:29
